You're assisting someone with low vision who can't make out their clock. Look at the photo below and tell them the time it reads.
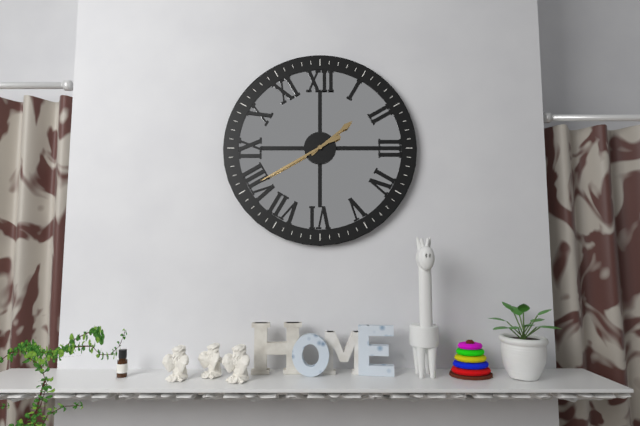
1:40
